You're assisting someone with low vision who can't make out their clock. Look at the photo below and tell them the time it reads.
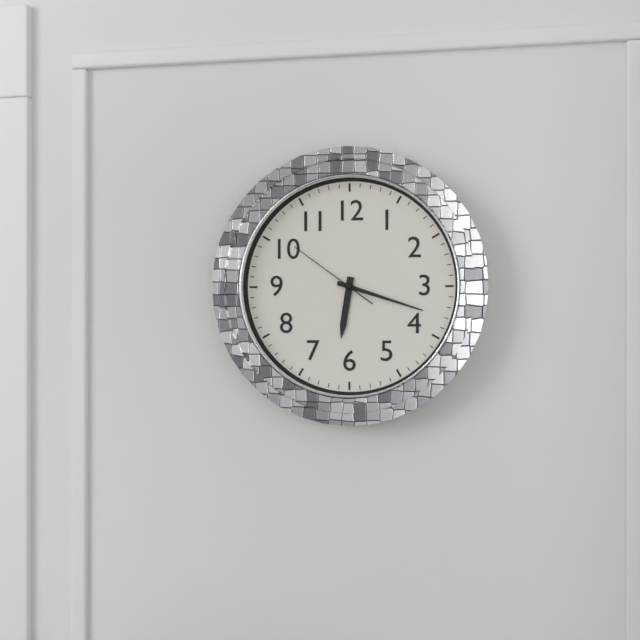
6:18:51
